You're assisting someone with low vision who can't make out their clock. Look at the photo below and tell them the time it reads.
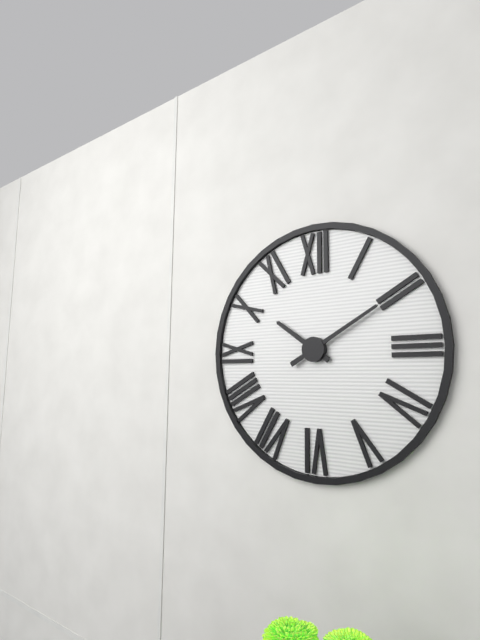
10:10
